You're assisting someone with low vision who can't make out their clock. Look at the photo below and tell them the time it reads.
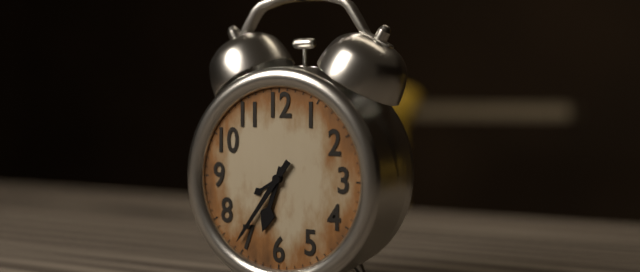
6:36
